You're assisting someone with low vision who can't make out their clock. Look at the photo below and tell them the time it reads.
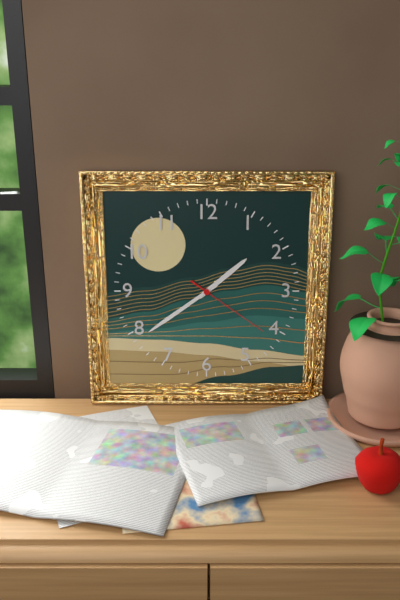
1:39:21
